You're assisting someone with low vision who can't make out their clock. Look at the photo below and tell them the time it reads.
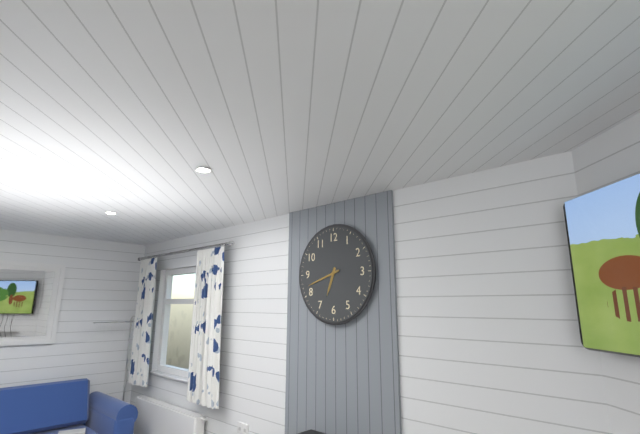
6:42
